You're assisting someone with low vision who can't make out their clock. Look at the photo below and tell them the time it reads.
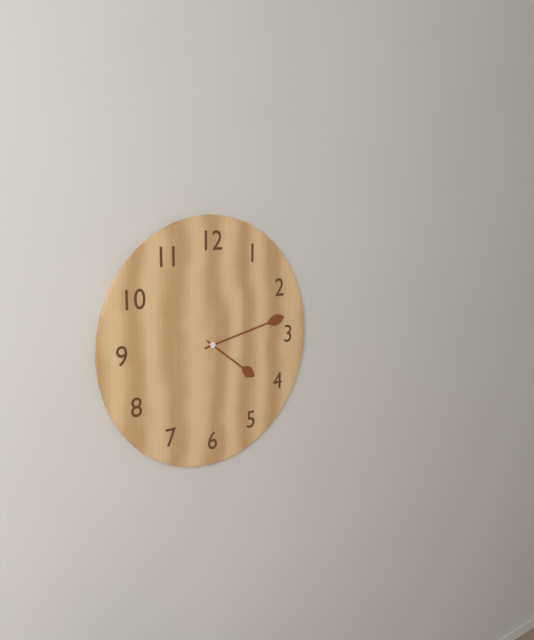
4:13
